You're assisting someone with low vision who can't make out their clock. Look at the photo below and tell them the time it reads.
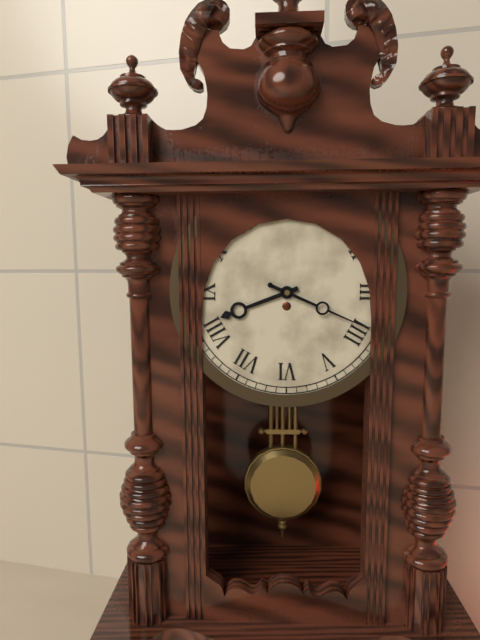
8:19
